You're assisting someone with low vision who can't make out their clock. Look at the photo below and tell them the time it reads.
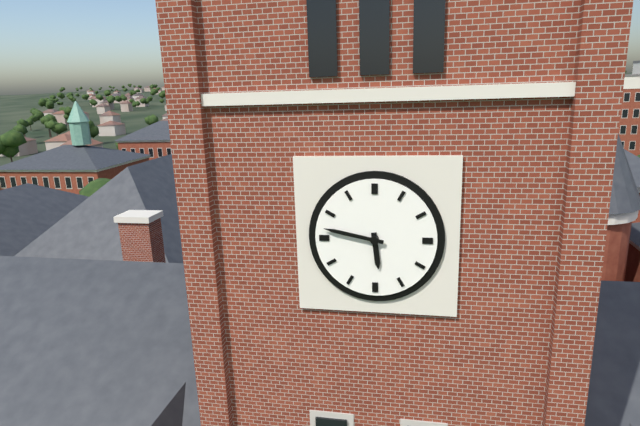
5:47
